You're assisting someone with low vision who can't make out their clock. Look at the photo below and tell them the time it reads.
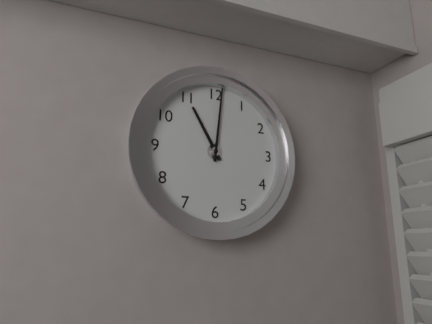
11:01
